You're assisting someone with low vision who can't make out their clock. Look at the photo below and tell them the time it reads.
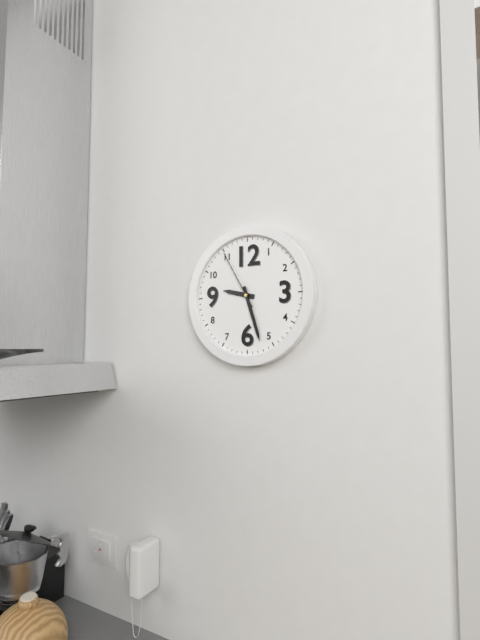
9:27:55
